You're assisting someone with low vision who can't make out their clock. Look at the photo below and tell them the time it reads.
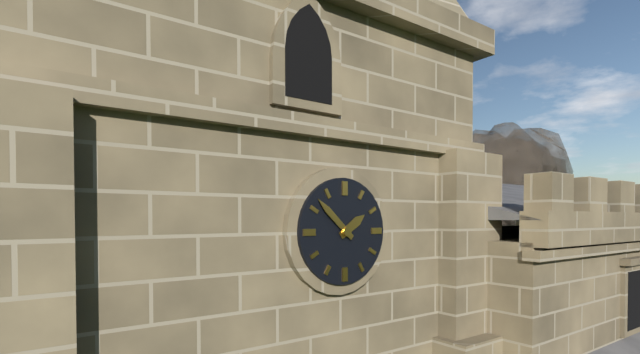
1:52
